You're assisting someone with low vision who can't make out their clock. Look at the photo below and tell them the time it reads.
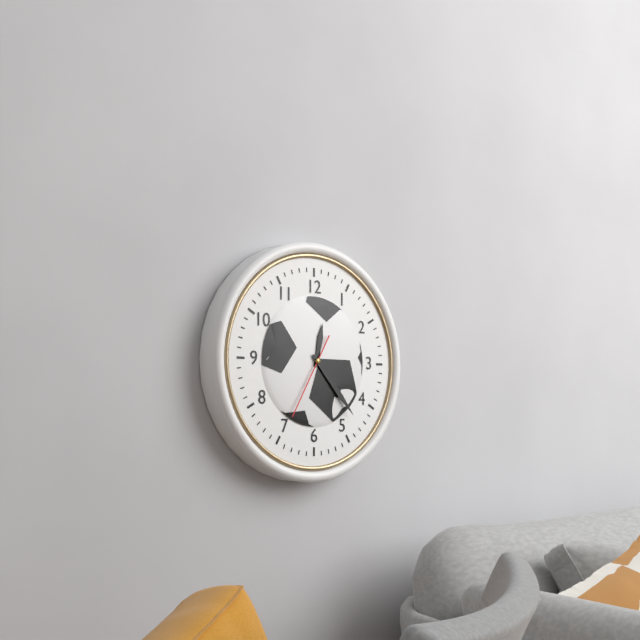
12:23:35
